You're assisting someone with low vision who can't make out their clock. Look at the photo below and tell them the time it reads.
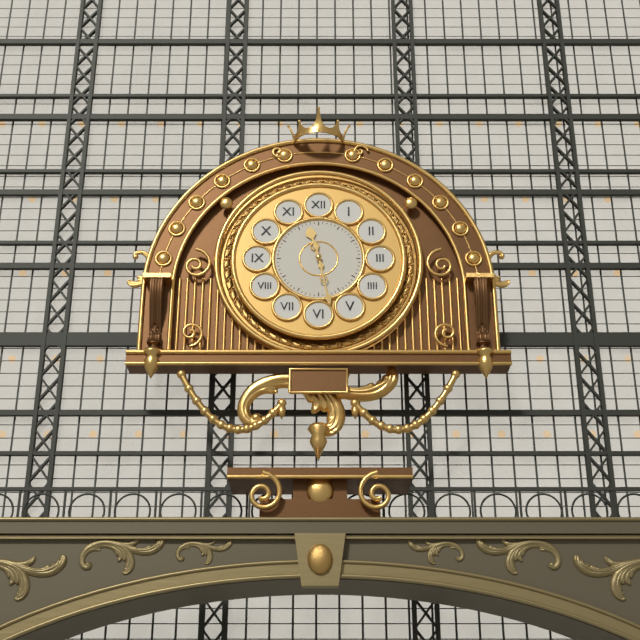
11:28
